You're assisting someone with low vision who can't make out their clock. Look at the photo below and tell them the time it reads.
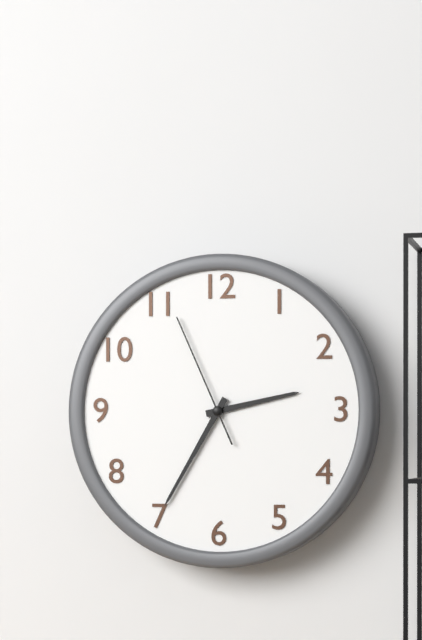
2:35:56
